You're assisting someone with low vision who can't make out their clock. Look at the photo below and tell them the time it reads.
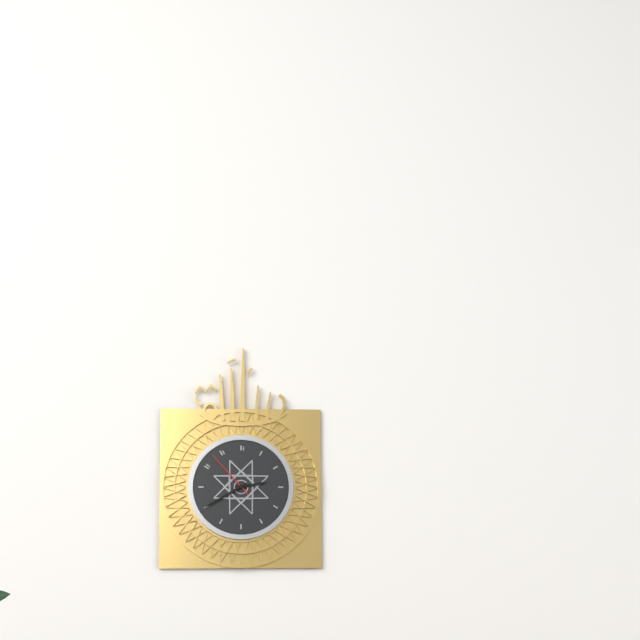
2:40:53
